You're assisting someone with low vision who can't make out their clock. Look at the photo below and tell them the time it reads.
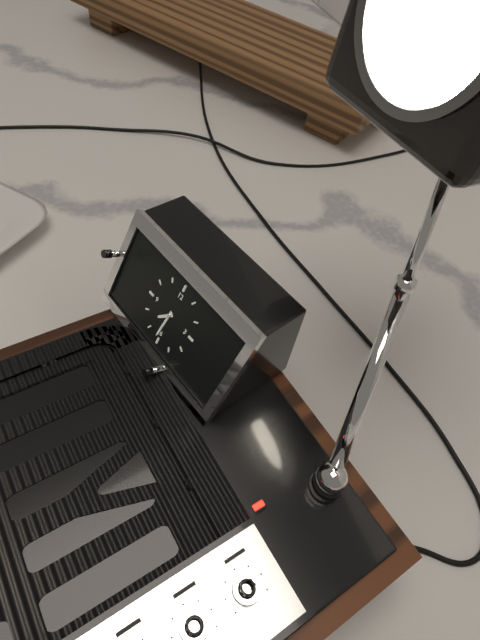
7:31
